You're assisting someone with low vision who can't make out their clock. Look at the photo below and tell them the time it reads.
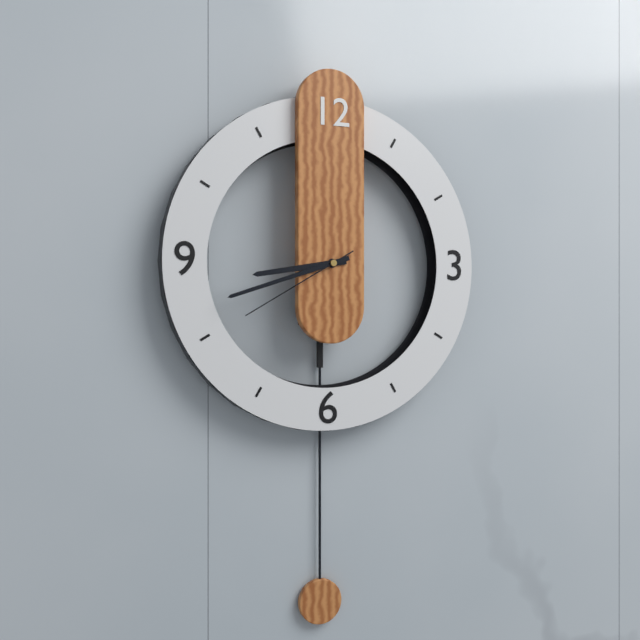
8:42:40
